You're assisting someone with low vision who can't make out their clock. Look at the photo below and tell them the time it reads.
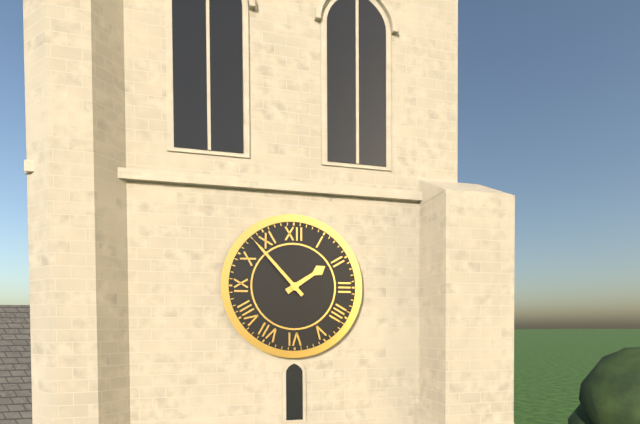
1:53
